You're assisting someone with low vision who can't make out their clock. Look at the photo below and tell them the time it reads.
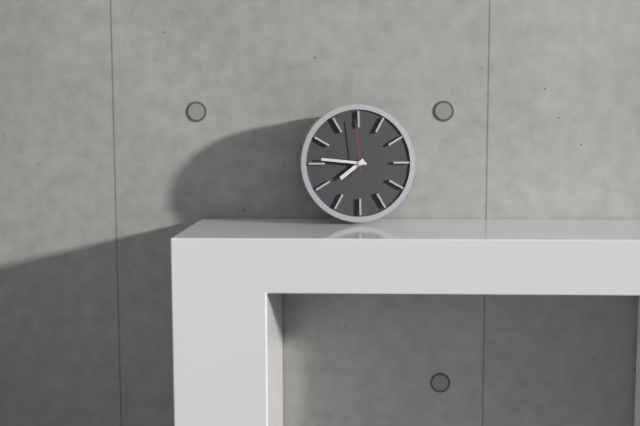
7:46:59
